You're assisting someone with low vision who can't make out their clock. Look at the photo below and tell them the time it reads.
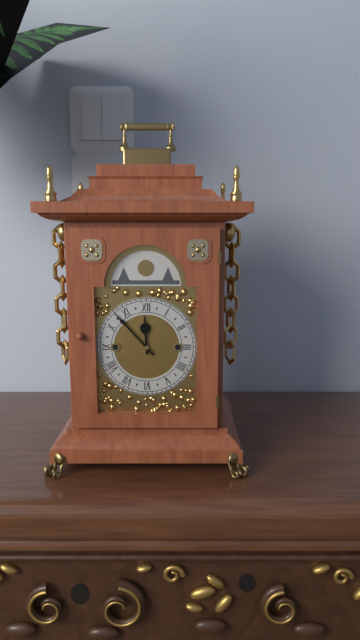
11:53
